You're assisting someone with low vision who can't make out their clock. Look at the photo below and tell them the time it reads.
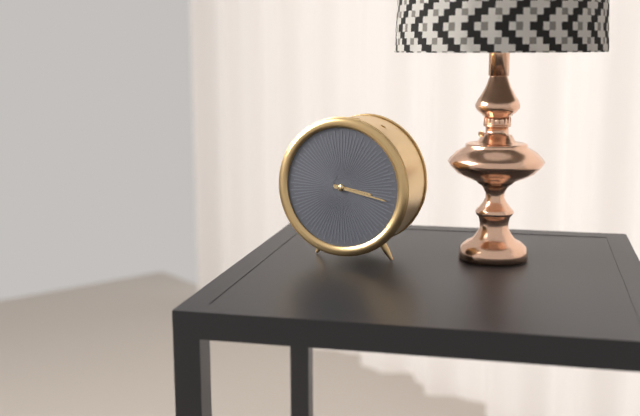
3:17
